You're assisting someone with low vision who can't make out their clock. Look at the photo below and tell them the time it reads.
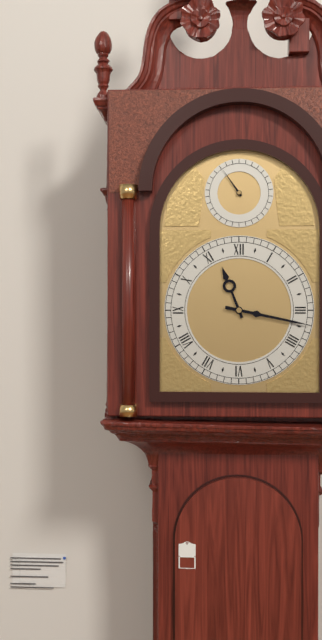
11:17
